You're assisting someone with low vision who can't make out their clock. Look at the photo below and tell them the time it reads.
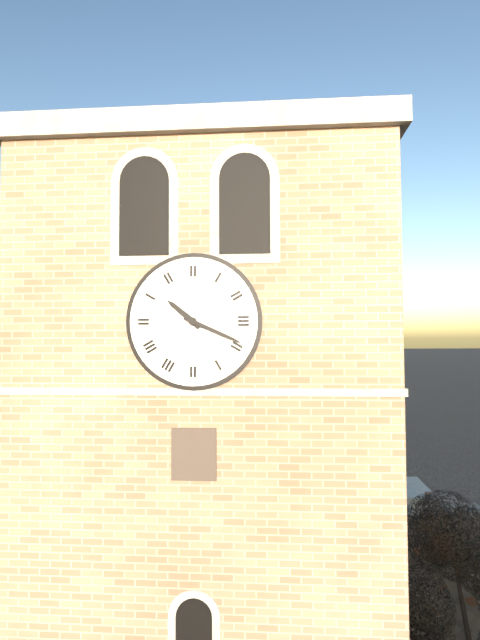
10:19
